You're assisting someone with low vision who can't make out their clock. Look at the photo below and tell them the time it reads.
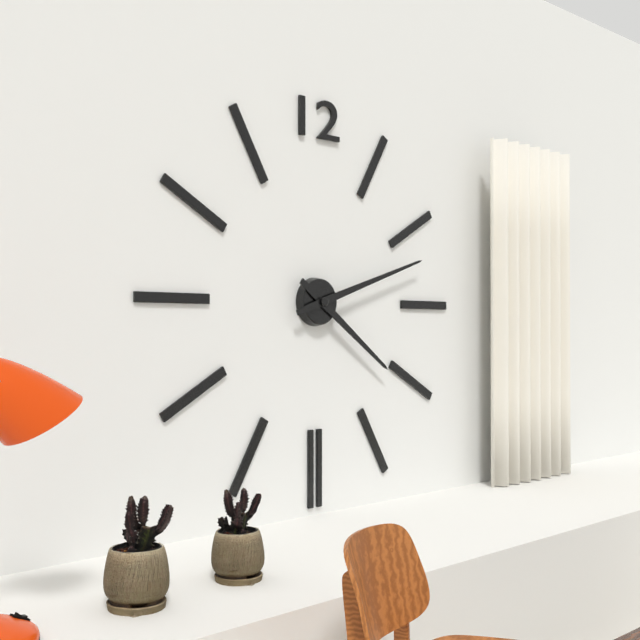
4:12
